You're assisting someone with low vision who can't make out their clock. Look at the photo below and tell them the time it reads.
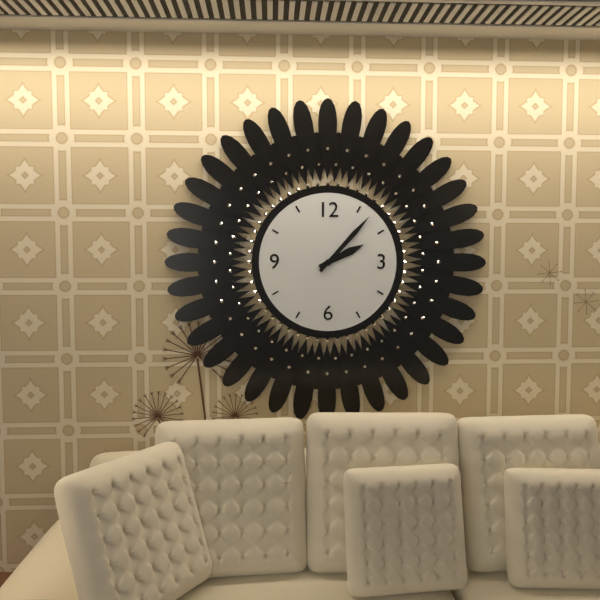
2:07
